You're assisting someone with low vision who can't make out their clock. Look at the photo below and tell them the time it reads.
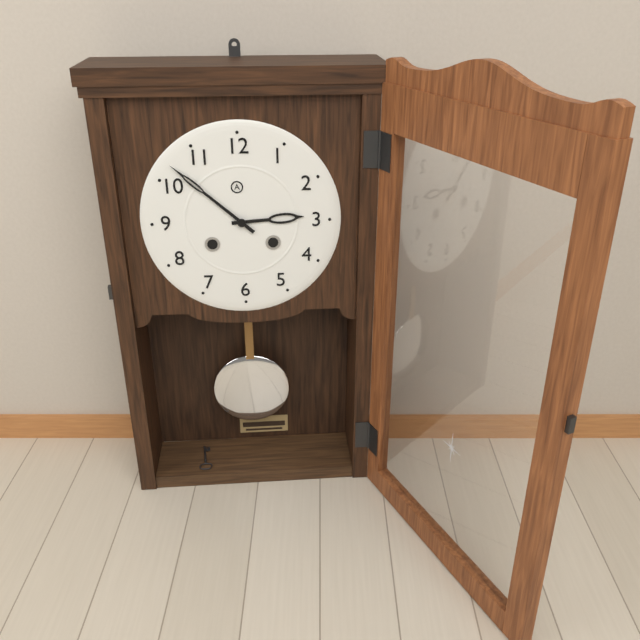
2:52
